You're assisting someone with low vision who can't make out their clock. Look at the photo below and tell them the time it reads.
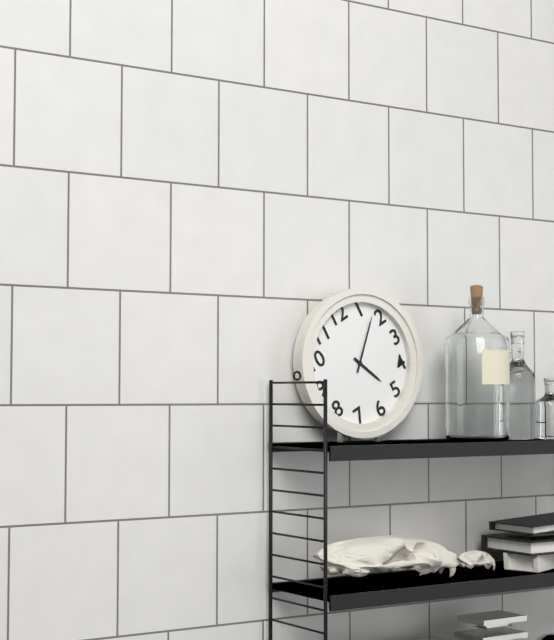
5:08
